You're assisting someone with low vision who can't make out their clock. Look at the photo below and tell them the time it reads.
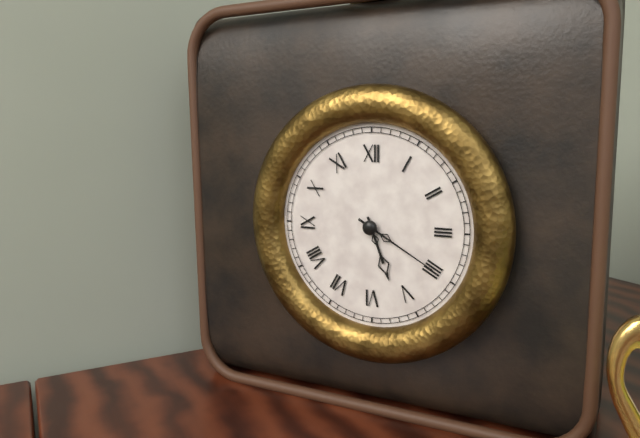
5:20
